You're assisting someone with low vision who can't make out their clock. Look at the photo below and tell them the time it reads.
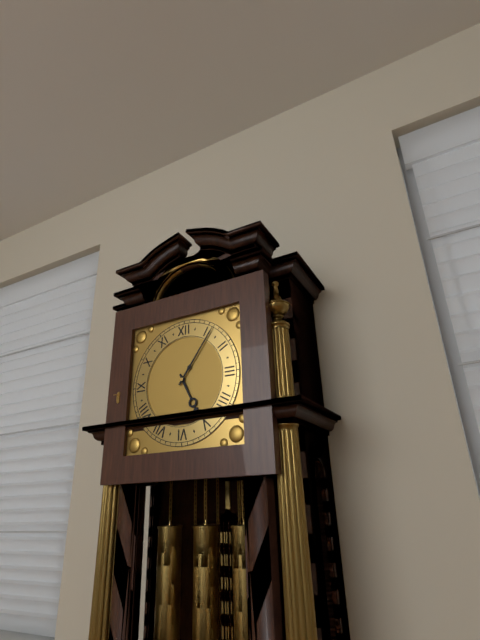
5:06
